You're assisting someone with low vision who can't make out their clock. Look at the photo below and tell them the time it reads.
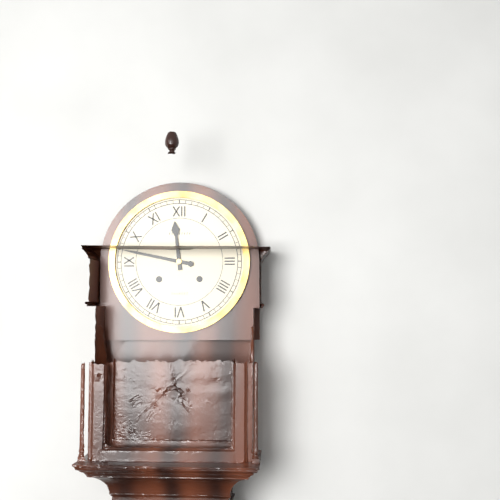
11:47
